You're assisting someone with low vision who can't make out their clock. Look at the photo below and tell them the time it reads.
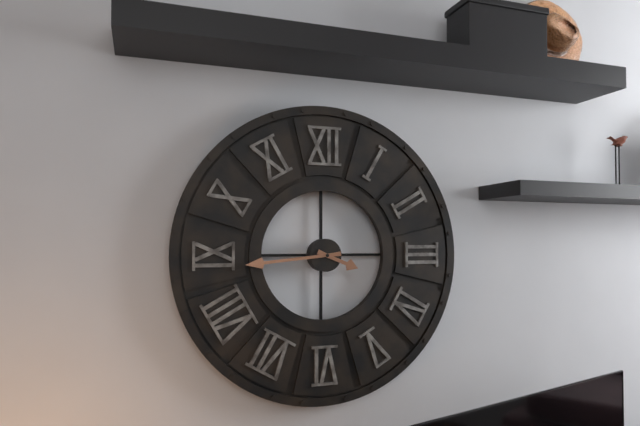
3:44
